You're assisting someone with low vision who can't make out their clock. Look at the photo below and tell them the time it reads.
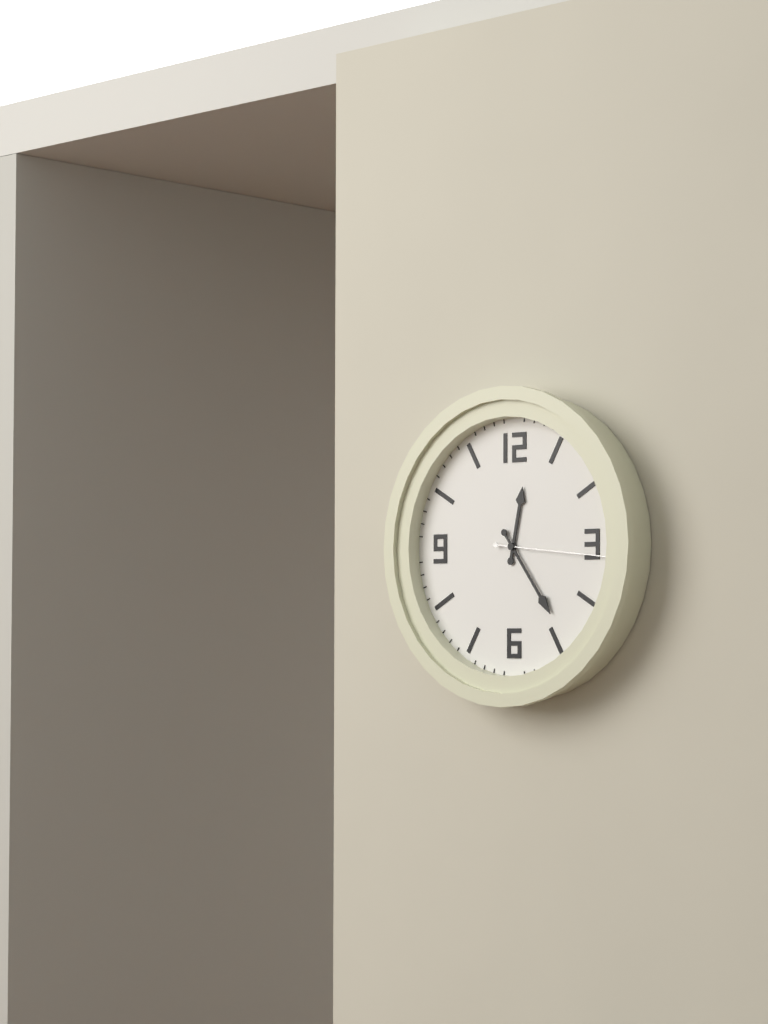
12:24:16
